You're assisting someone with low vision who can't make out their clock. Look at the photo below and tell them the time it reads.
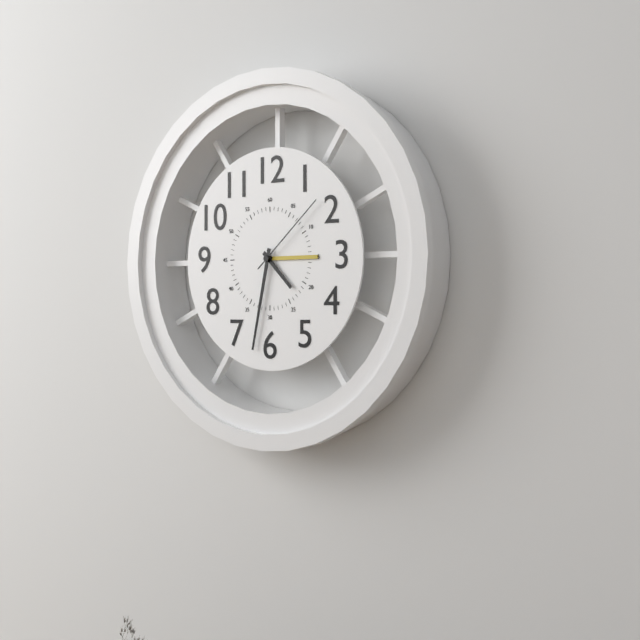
4:32:08
